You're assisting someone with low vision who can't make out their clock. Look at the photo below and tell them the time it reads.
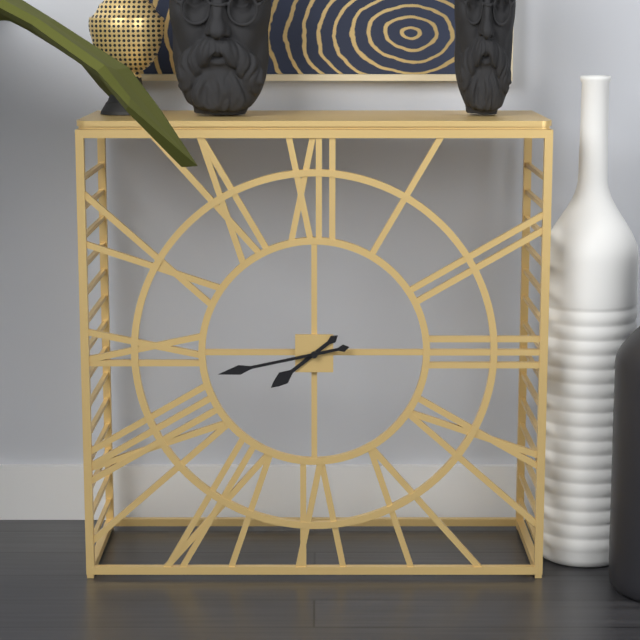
7:43
